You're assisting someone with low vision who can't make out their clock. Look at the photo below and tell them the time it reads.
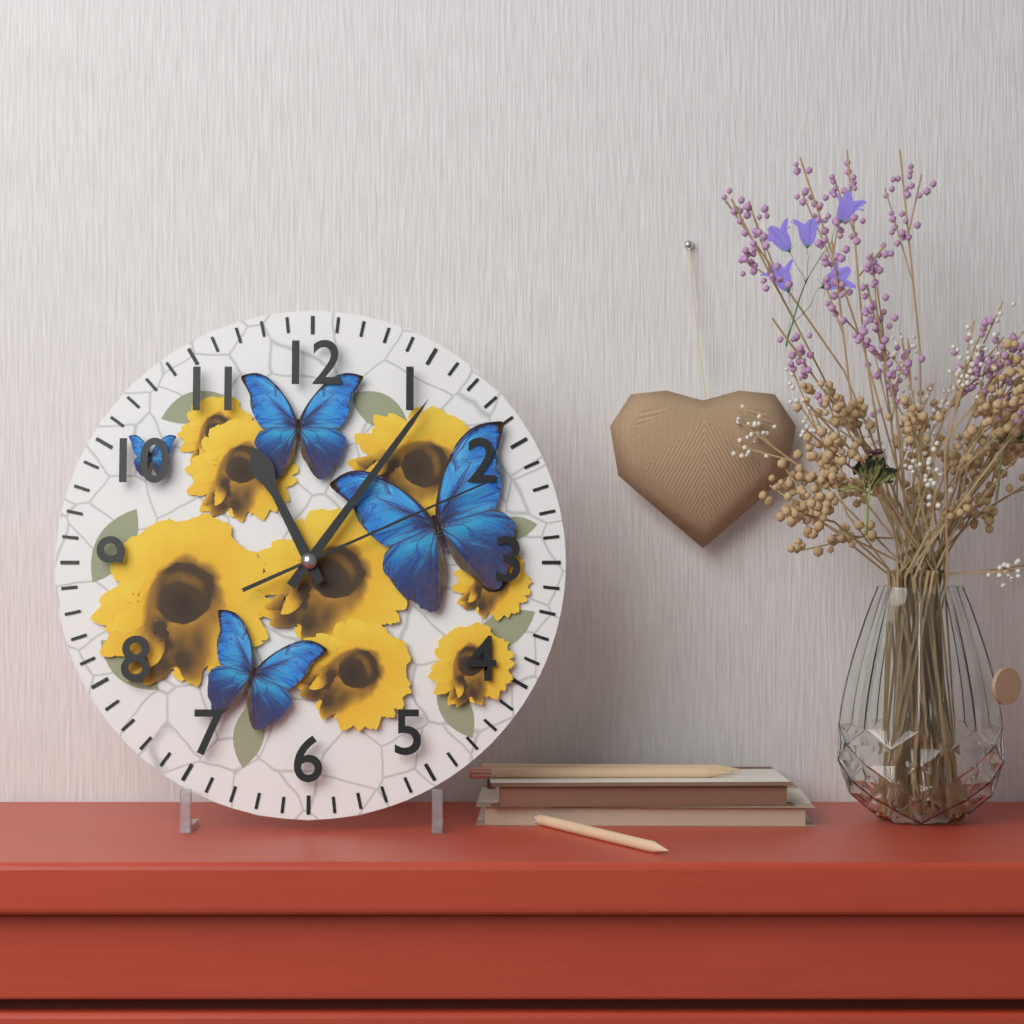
11:06:11
